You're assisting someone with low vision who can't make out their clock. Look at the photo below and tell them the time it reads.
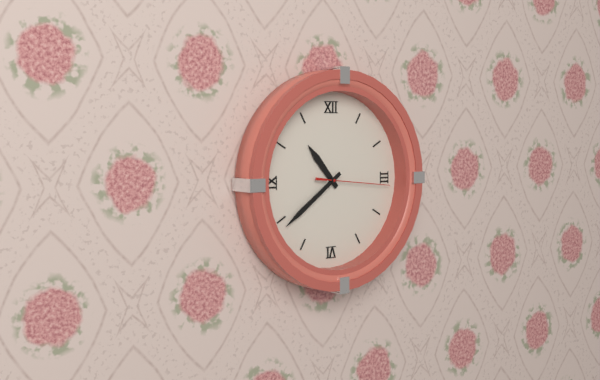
10:39:16
